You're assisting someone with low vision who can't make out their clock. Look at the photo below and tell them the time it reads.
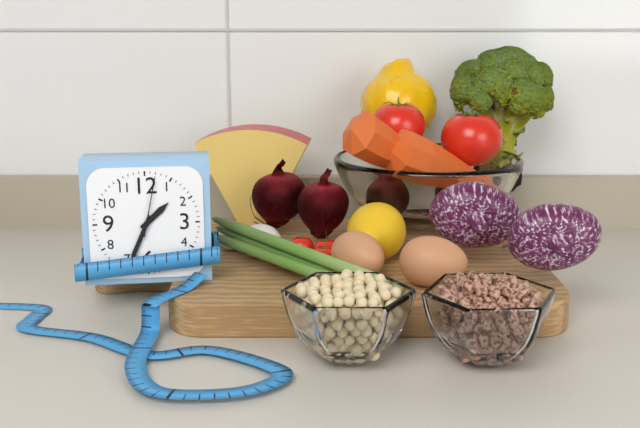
1:34:02
